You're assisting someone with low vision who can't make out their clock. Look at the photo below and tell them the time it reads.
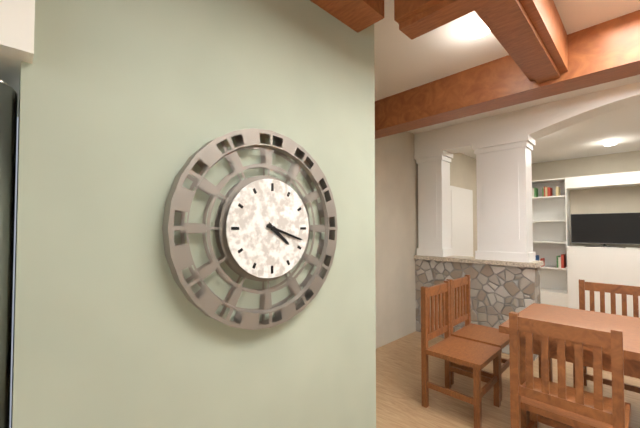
4:18
